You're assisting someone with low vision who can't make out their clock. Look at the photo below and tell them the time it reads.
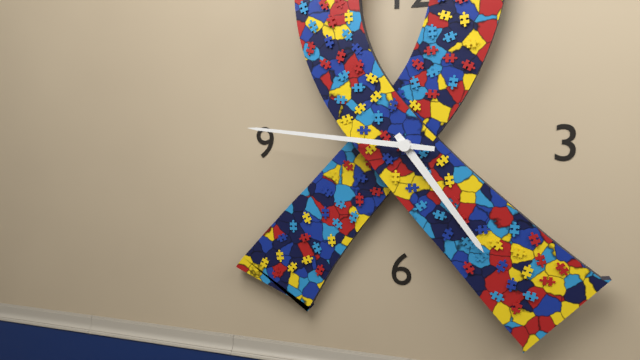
4:46
